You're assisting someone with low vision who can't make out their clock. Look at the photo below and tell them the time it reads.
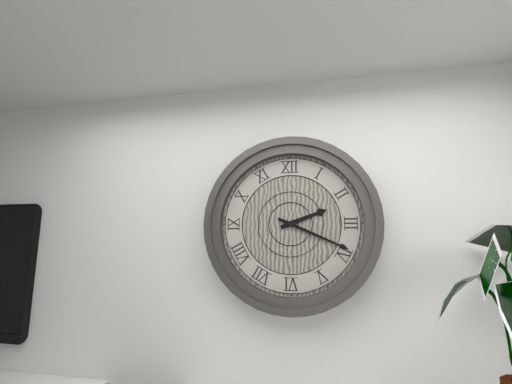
2:19
